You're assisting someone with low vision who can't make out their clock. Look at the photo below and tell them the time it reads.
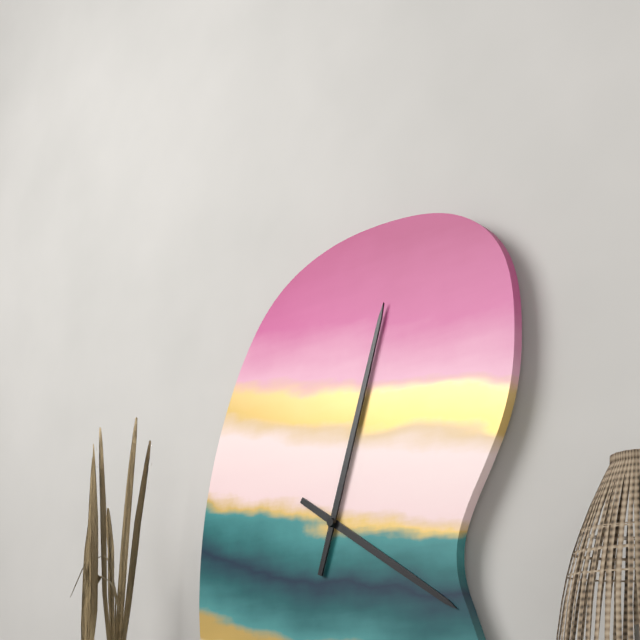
4:03
